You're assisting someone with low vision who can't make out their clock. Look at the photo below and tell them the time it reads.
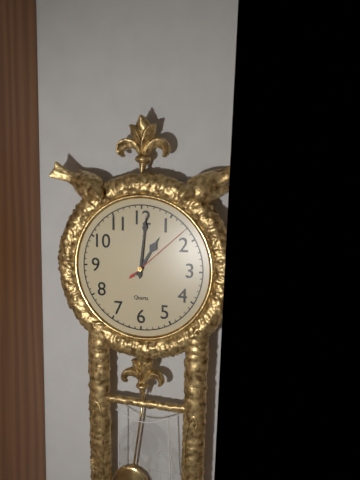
1:01:08
